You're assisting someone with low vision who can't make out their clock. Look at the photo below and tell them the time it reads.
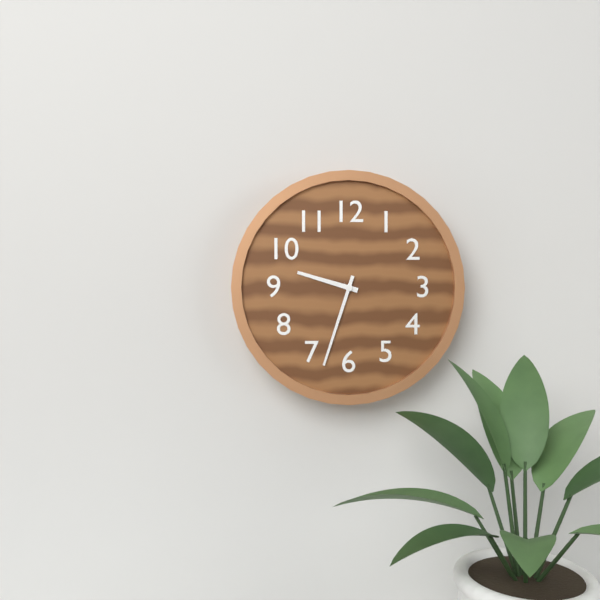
9:33
